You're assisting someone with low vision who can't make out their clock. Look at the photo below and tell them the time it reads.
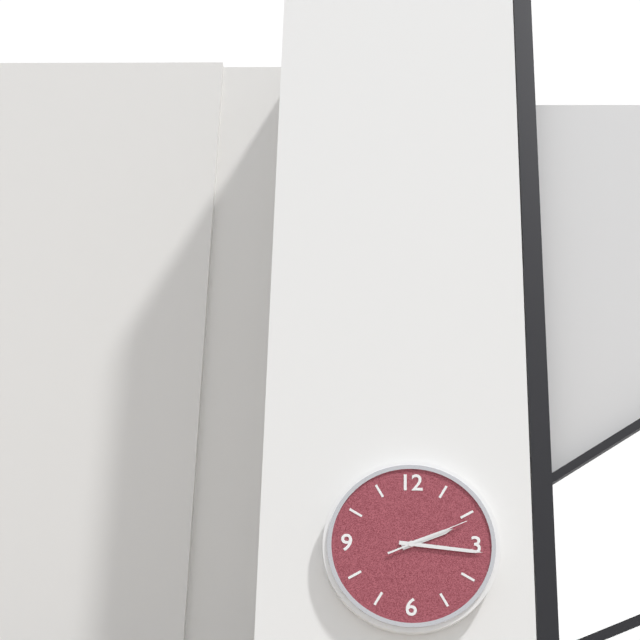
2:16:11
